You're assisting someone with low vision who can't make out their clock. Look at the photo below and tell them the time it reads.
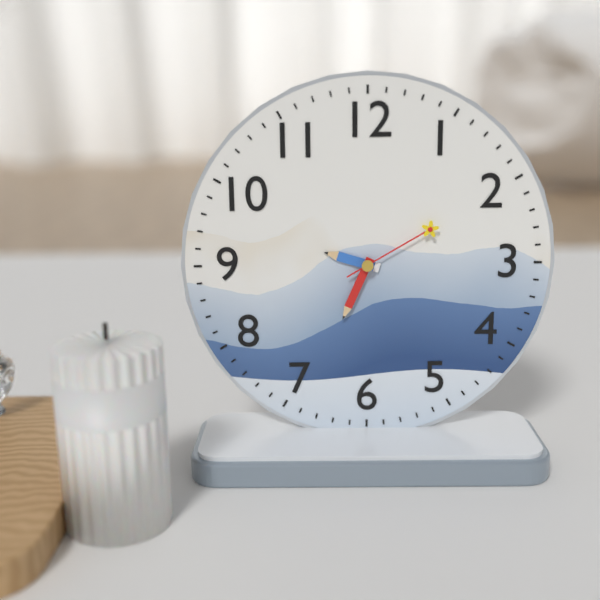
9:34:10
